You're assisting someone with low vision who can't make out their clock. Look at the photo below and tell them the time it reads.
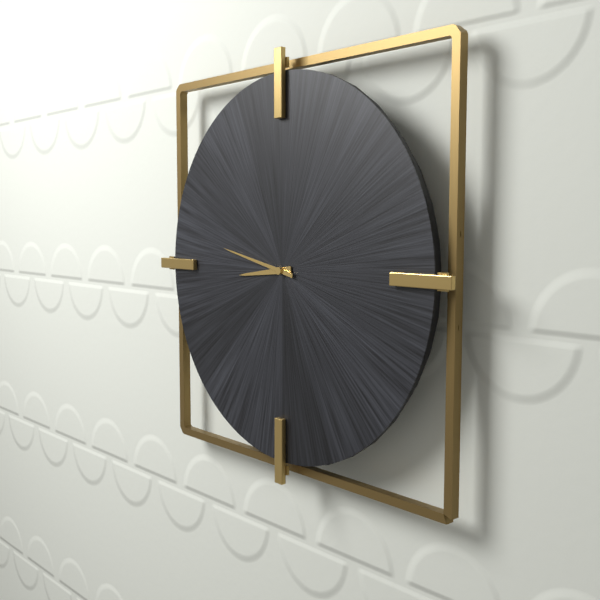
8:47
